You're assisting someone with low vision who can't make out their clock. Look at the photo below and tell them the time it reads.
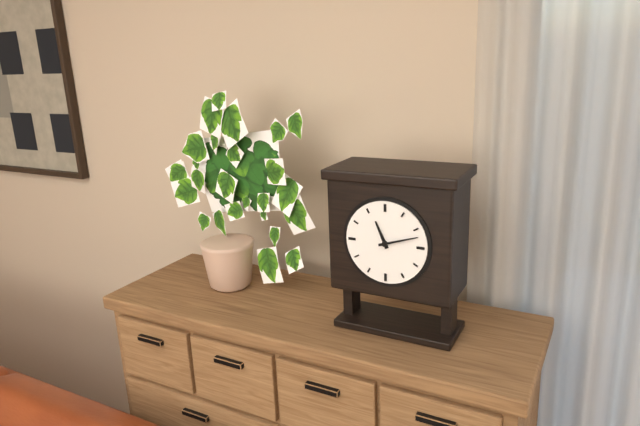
11:12
